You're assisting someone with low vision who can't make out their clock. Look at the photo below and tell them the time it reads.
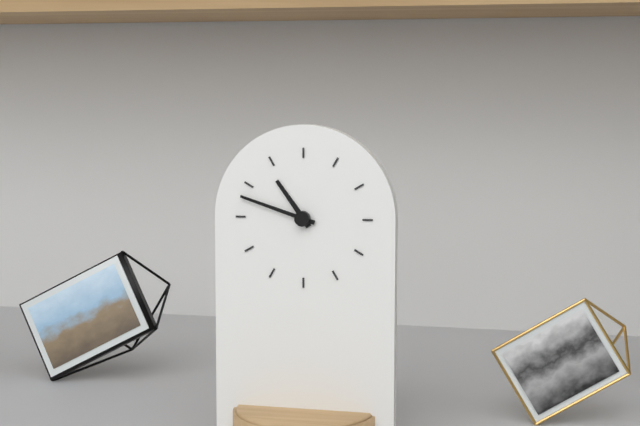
10:48
